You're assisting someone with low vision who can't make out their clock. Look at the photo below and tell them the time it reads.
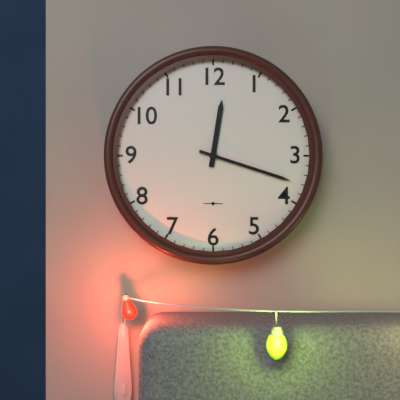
12:18
